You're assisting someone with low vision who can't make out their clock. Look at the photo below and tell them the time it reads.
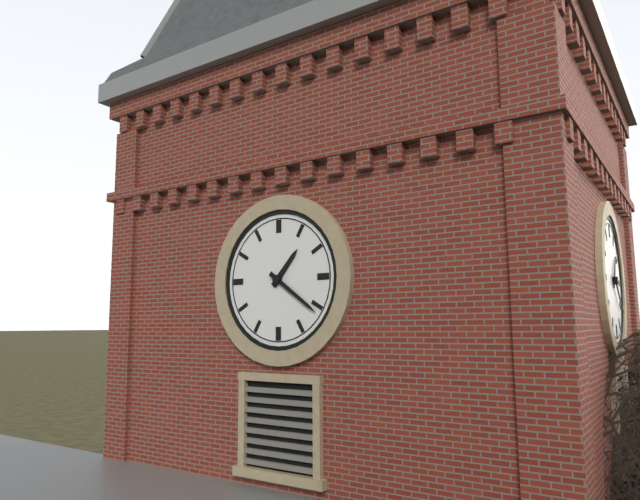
1:21
